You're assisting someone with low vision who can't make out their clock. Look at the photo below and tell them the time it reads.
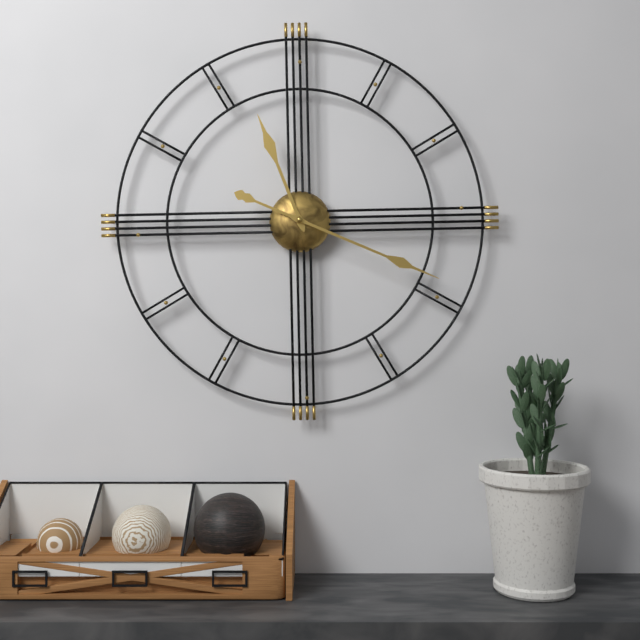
11:19
